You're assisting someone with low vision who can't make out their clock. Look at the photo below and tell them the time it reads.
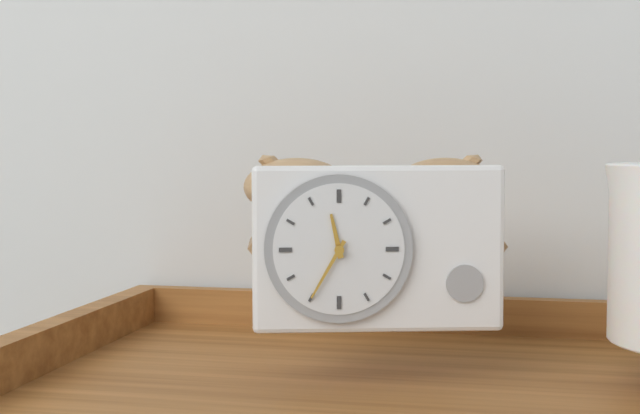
11:35
